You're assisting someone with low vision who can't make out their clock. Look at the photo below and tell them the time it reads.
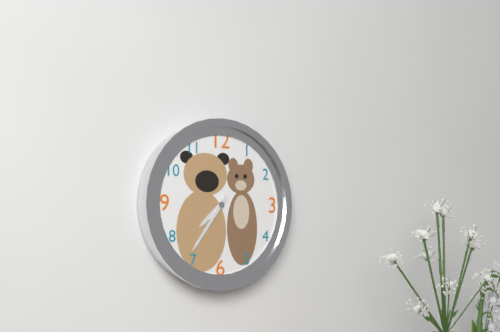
7:36
